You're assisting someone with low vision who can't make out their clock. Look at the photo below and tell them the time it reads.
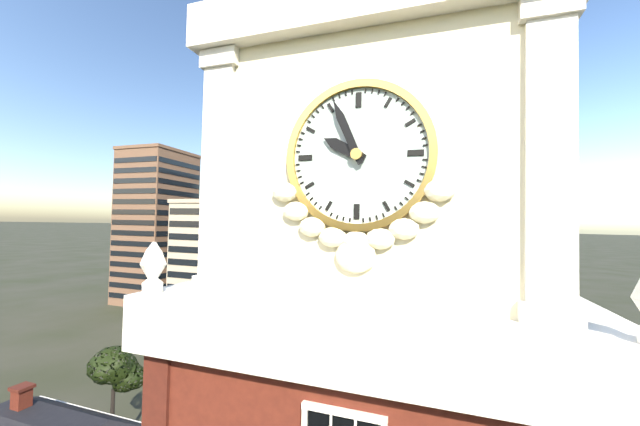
9:56
